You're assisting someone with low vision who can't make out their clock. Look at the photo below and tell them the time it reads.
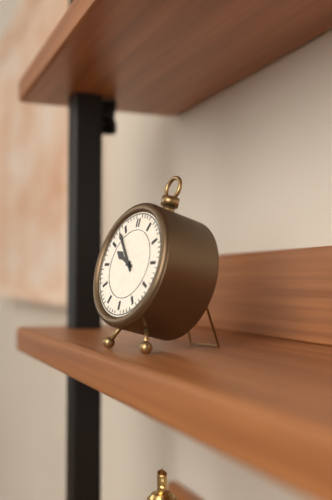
9:53
